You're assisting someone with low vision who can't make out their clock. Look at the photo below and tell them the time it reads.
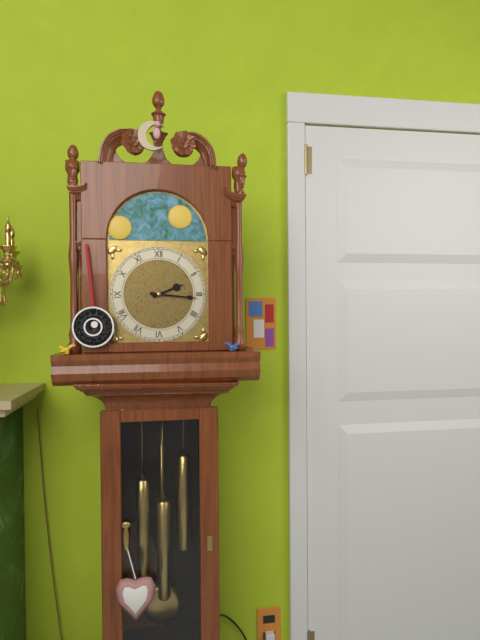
2:16
